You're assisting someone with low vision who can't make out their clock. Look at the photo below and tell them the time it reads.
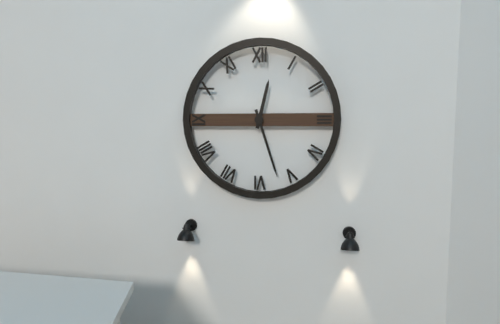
12:27
